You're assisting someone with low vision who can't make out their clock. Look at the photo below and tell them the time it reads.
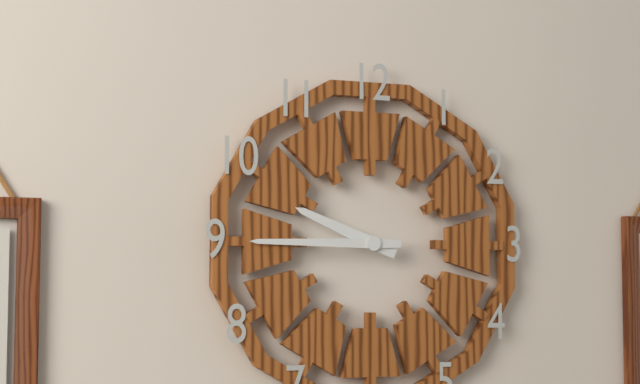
9:45
